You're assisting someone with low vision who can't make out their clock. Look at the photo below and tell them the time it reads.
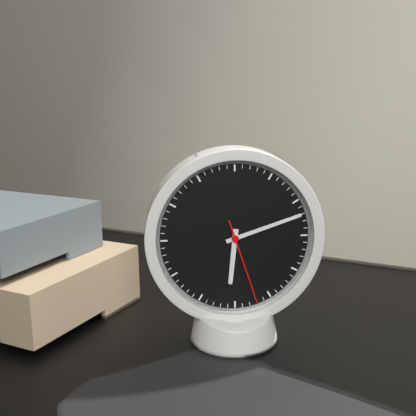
6:12:27
